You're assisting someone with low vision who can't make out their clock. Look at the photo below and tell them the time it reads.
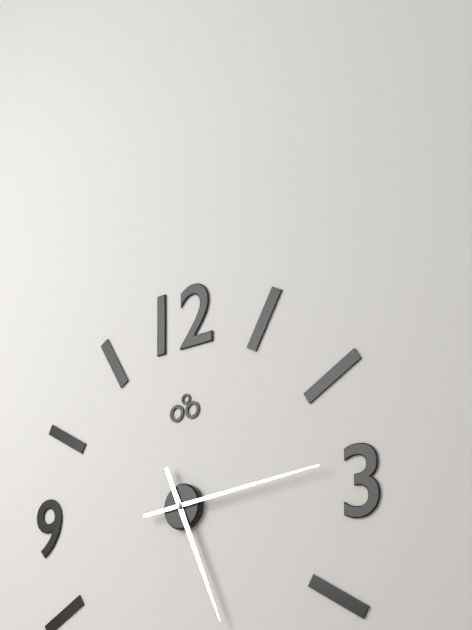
5:14
